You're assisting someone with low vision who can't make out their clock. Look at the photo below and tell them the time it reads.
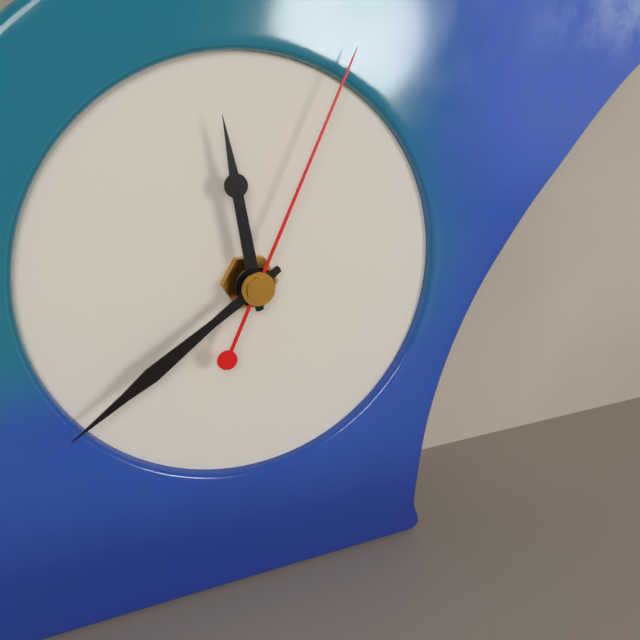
11:39:04
